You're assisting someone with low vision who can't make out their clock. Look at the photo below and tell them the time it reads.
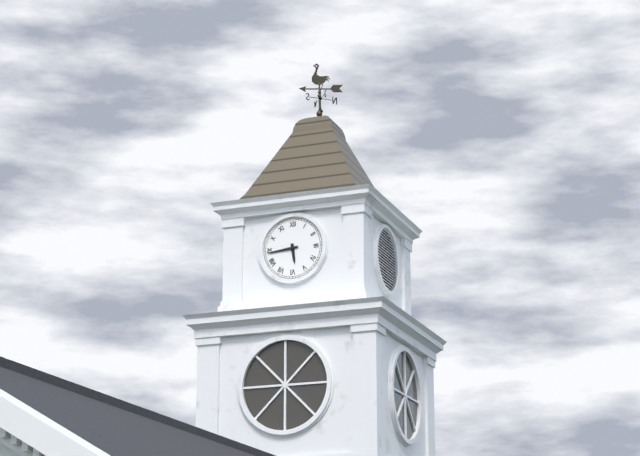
5:44
